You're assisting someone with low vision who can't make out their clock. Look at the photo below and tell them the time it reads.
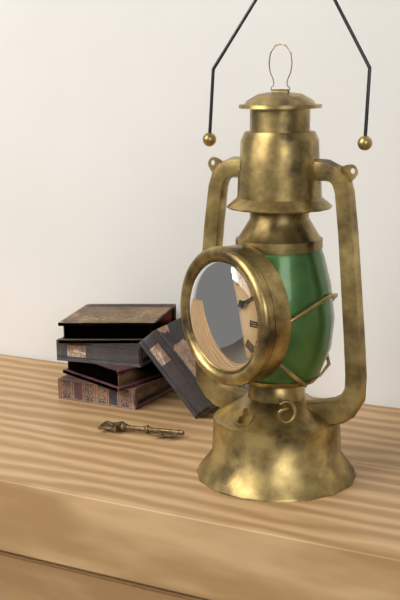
10:10
